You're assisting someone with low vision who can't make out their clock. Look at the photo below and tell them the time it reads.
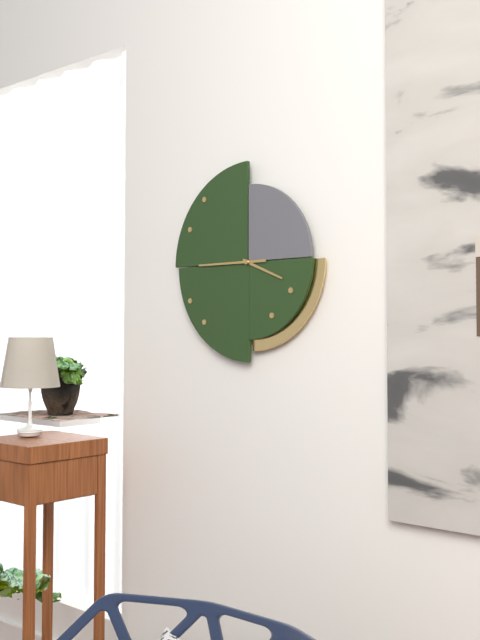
3:45
